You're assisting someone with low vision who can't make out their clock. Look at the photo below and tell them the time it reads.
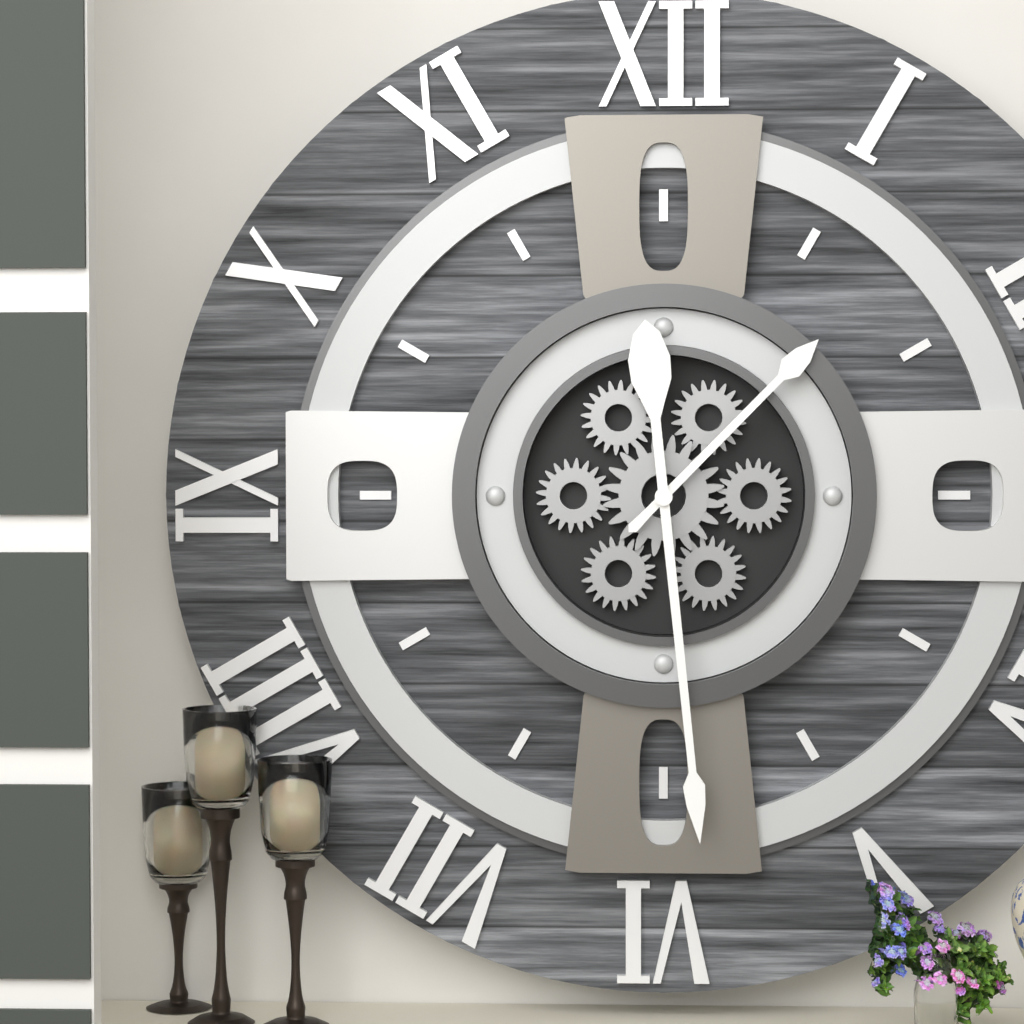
1:29
